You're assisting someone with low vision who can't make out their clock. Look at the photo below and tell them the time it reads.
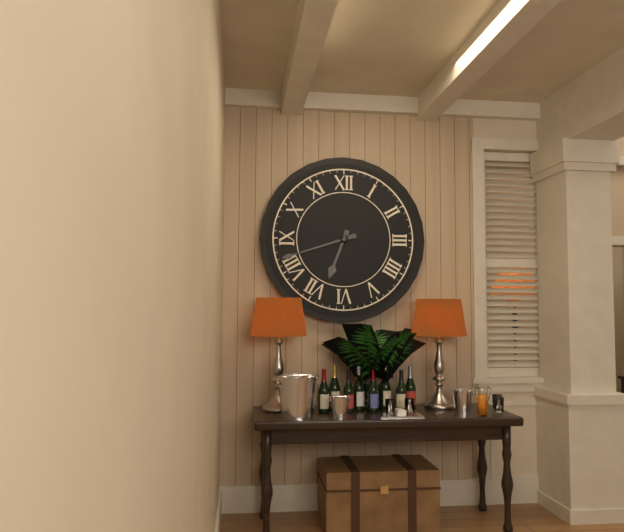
6:42
